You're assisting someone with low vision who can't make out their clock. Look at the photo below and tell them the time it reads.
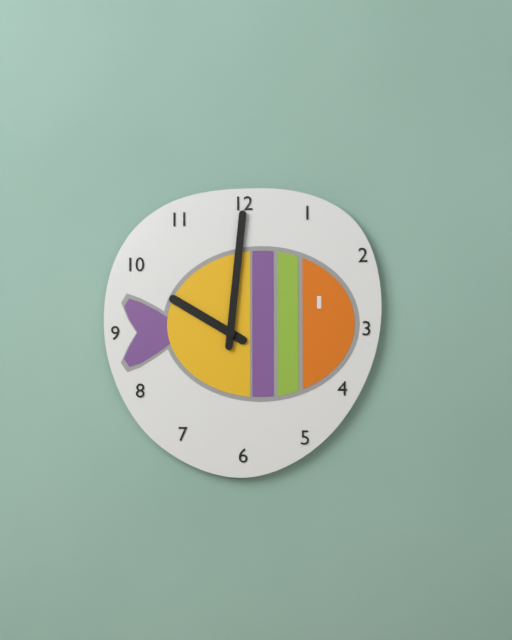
10:01
